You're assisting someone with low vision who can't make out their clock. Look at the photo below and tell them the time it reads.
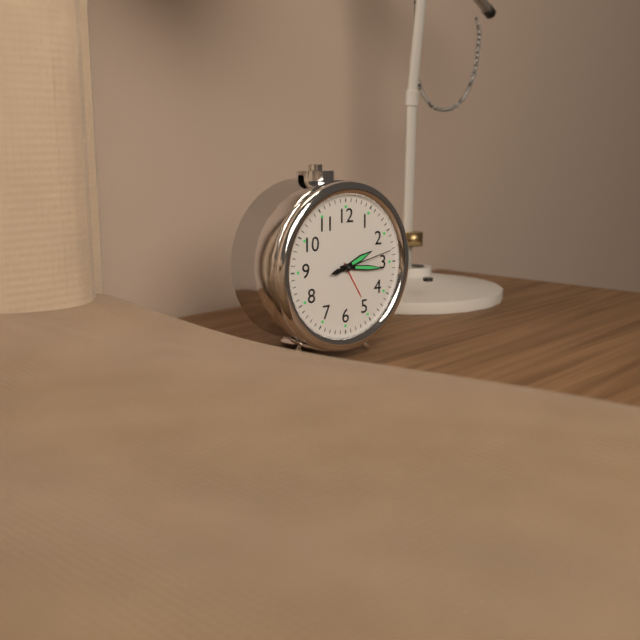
2:16:13
